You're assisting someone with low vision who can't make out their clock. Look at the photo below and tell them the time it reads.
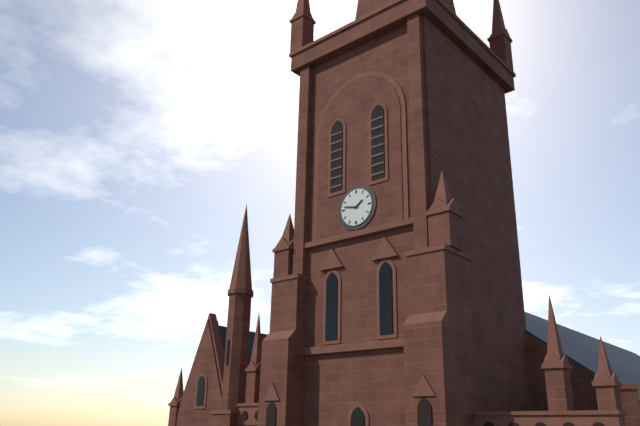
1:47
